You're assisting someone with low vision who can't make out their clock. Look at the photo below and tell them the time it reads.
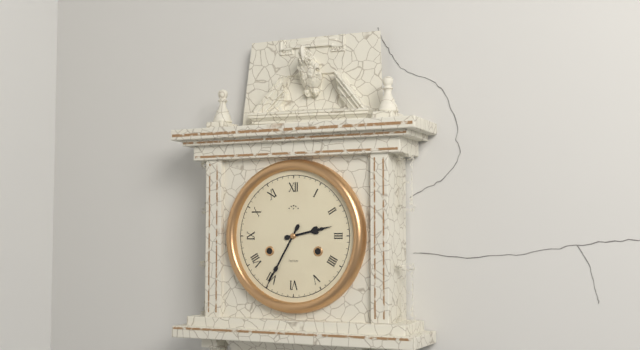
2:35
